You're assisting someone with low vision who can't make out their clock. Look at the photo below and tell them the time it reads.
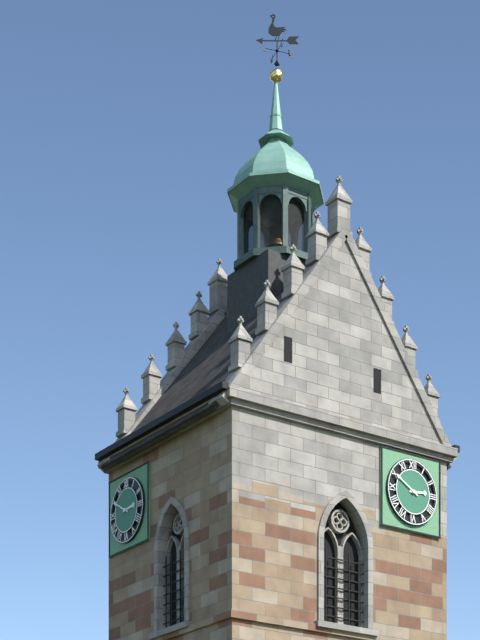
2:50
